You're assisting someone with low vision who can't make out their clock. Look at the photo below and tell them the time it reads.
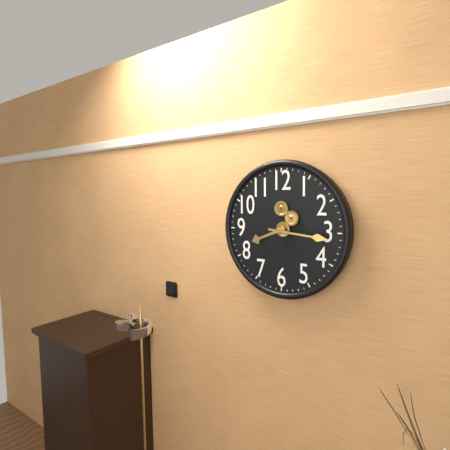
8:16
